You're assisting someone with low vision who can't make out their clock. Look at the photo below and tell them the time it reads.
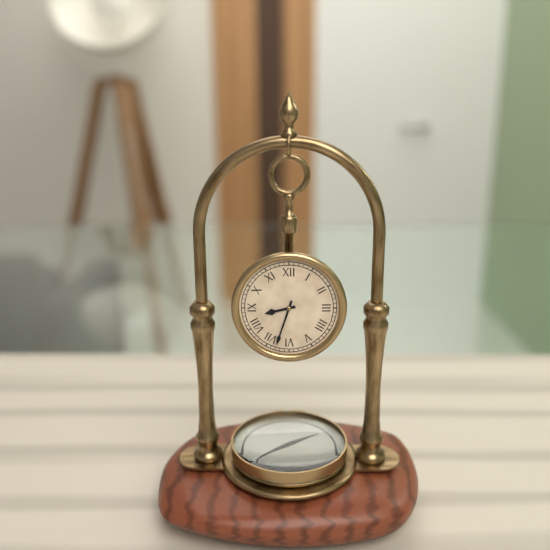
8:33
